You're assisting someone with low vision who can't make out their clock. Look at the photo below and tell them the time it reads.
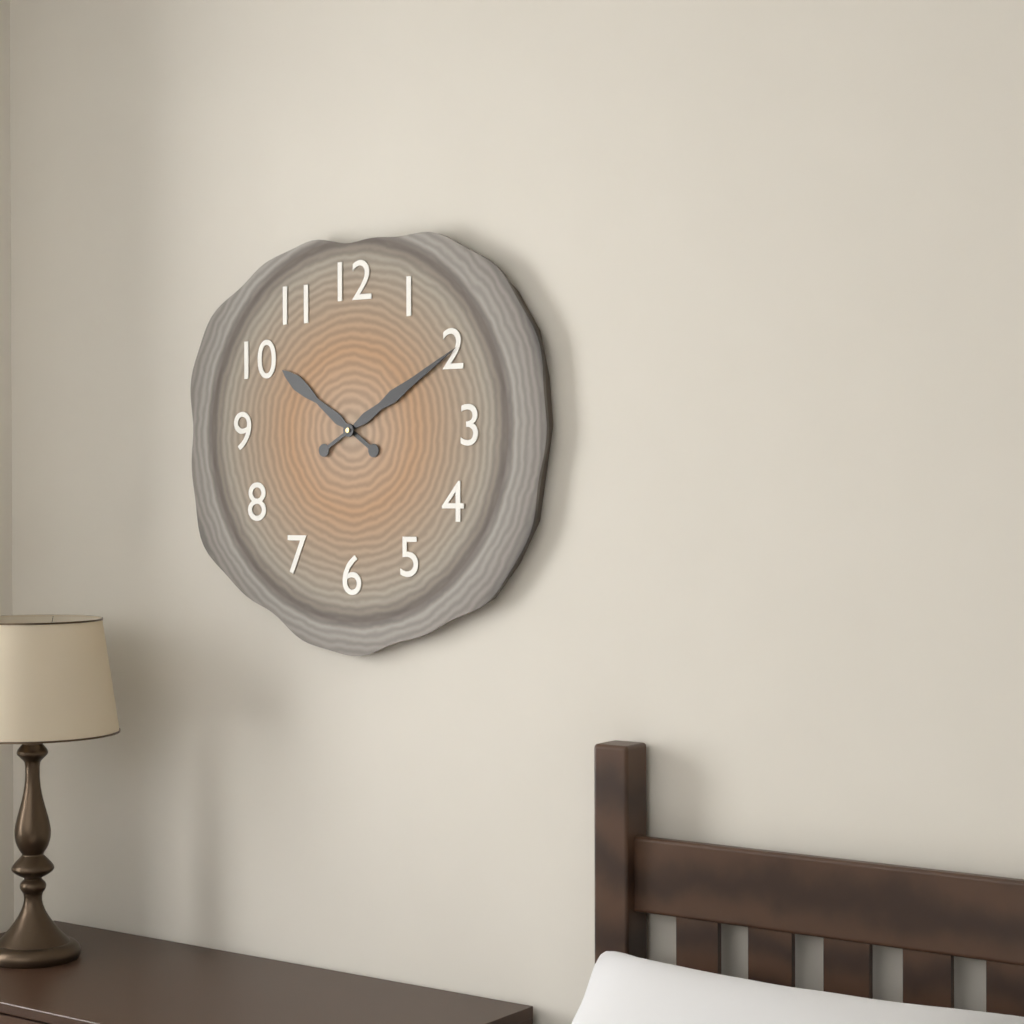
10:10
